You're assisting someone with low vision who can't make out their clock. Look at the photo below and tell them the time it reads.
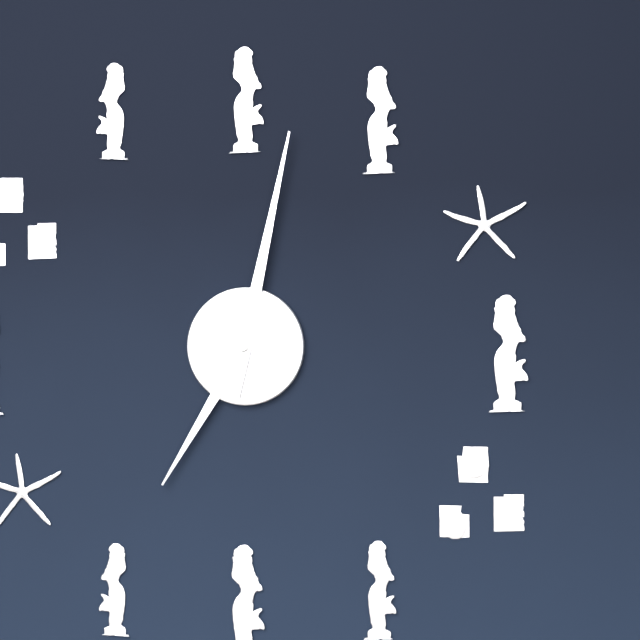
7:02
